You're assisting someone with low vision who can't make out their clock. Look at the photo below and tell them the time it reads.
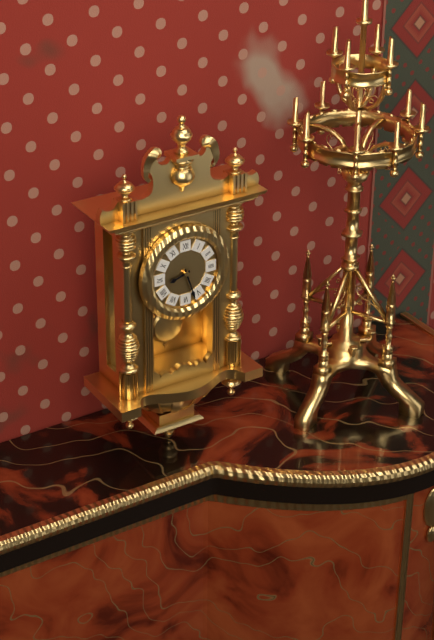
8:27
